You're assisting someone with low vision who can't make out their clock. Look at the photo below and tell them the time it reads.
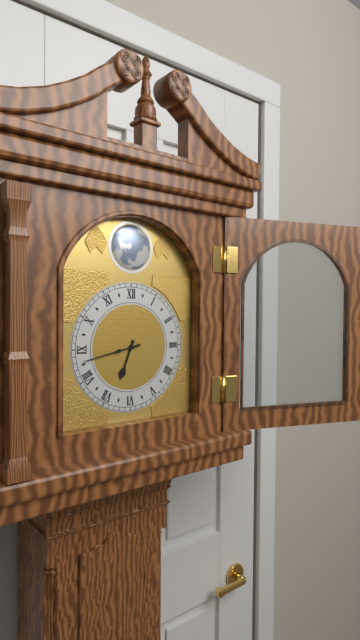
6:43
